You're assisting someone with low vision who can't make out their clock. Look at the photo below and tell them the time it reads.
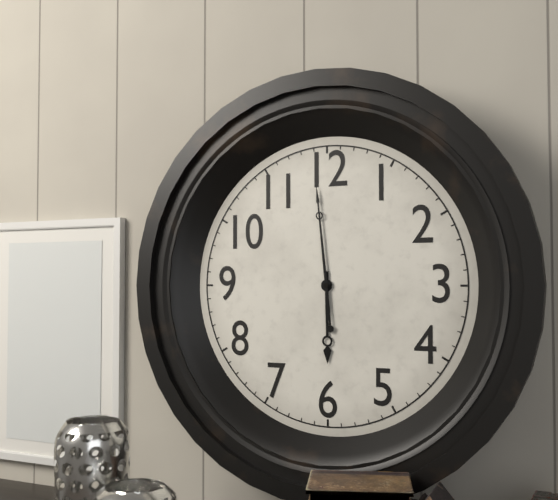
5:59
